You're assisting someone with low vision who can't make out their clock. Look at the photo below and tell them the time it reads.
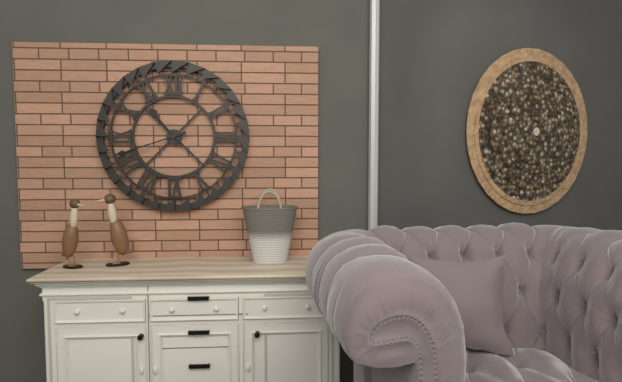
10:42
